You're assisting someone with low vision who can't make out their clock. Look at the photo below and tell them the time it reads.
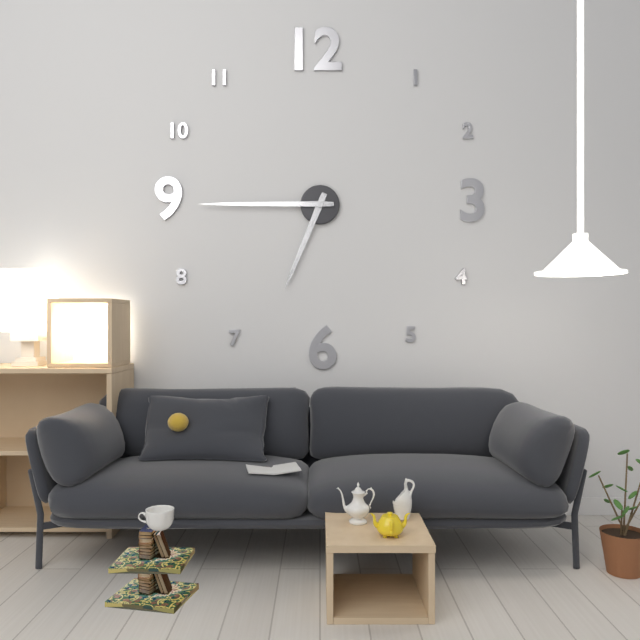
6:45
